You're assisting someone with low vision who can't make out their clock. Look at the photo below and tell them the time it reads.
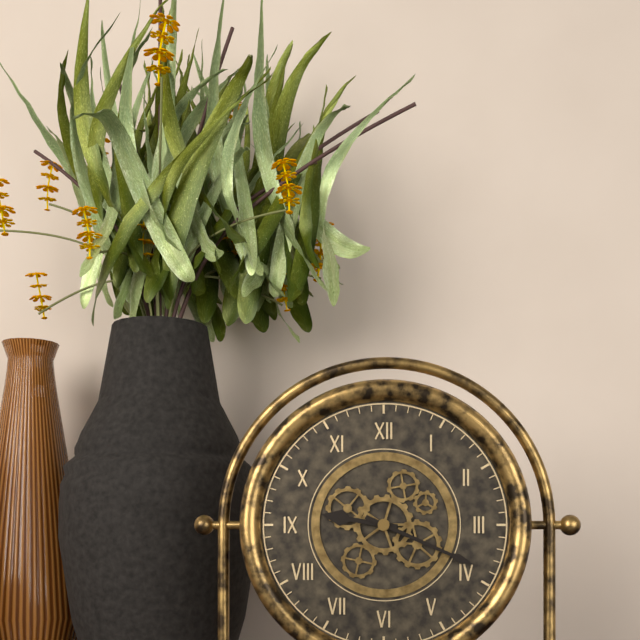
9:19
